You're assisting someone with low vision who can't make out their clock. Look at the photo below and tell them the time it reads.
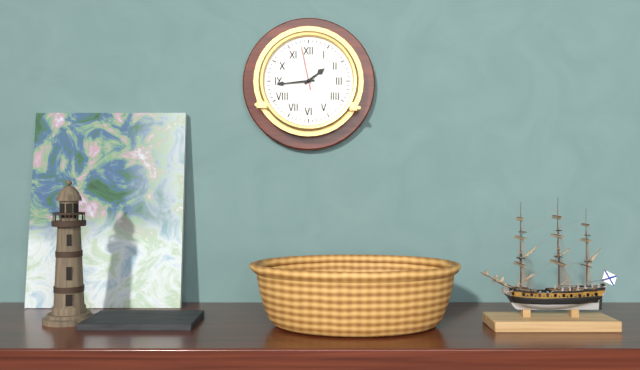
1:44
